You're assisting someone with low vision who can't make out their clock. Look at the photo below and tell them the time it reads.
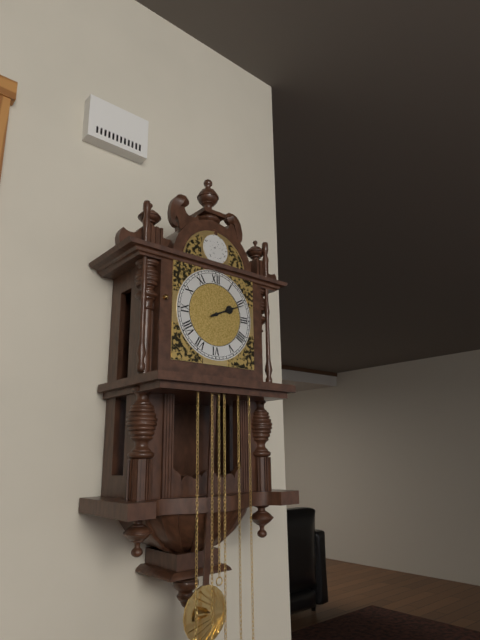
2:11
